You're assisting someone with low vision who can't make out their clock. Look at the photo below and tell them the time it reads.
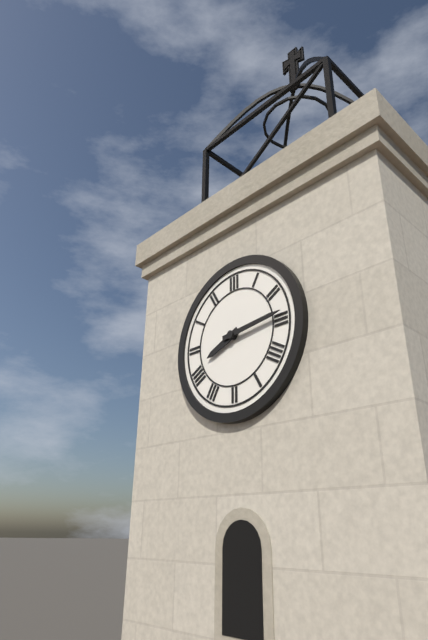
8:14
